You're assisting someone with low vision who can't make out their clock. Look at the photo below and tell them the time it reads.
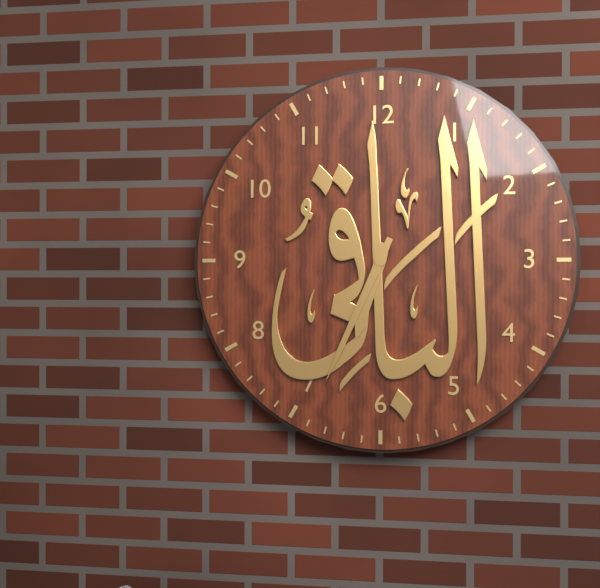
6:34
